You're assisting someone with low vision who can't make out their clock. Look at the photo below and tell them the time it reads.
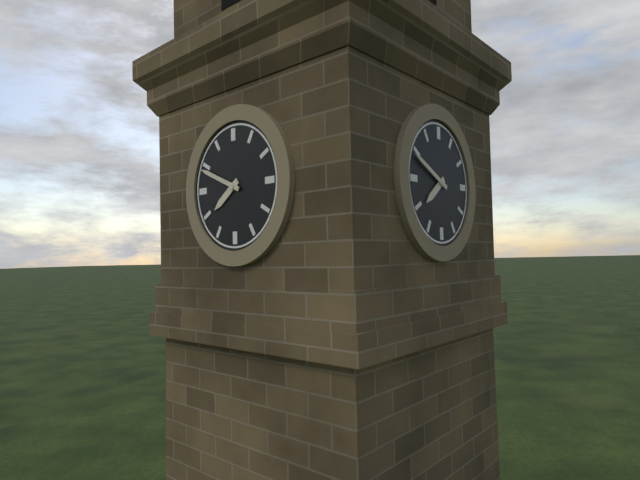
7:49
